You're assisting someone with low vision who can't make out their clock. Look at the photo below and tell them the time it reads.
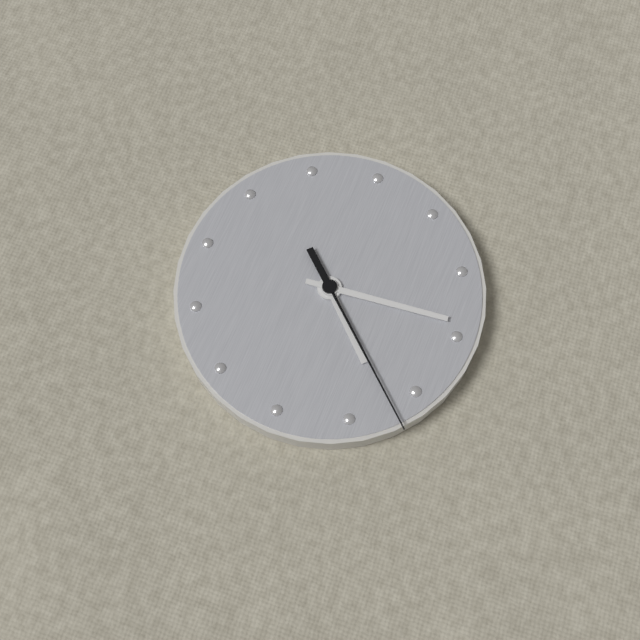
7:29:37
